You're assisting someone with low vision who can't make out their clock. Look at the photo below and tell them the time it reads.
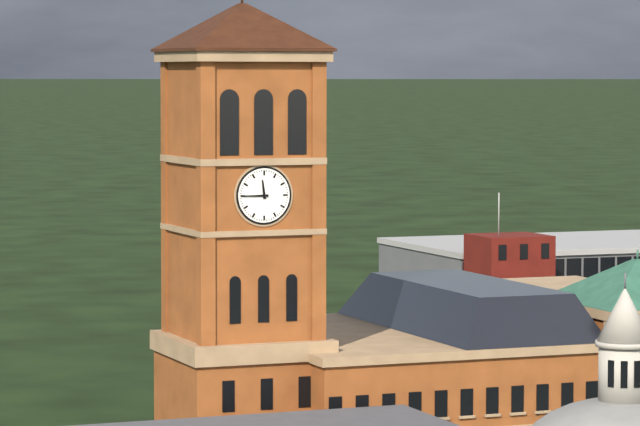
11:45
